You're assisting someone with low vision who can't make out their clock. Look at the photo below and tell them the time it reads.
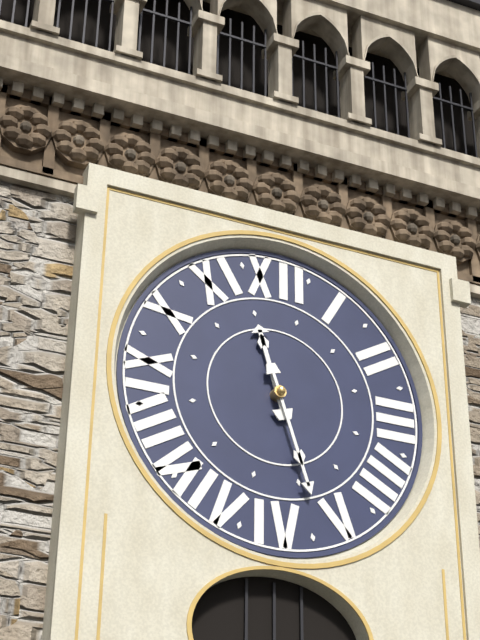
11:27
